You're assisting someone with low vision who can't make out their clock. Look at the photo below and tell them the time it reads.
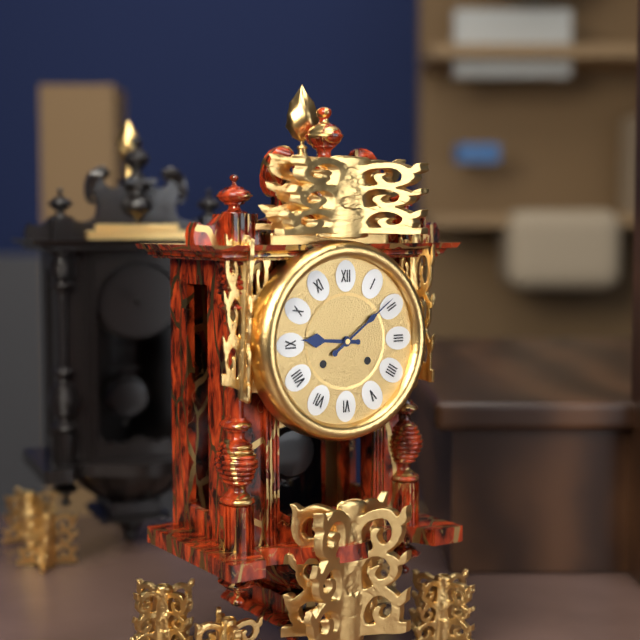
9:09
